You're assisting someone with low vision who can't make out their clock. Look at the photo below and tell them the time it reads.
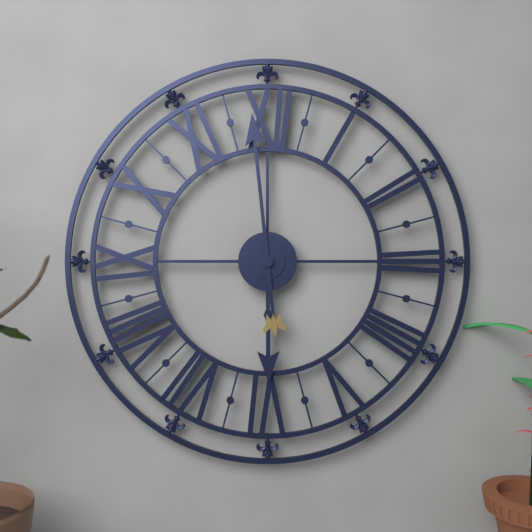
5:59
